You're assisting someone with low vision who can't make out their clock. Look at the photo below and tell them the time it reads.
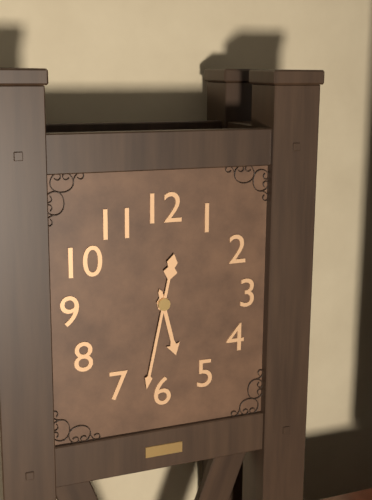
5:32
